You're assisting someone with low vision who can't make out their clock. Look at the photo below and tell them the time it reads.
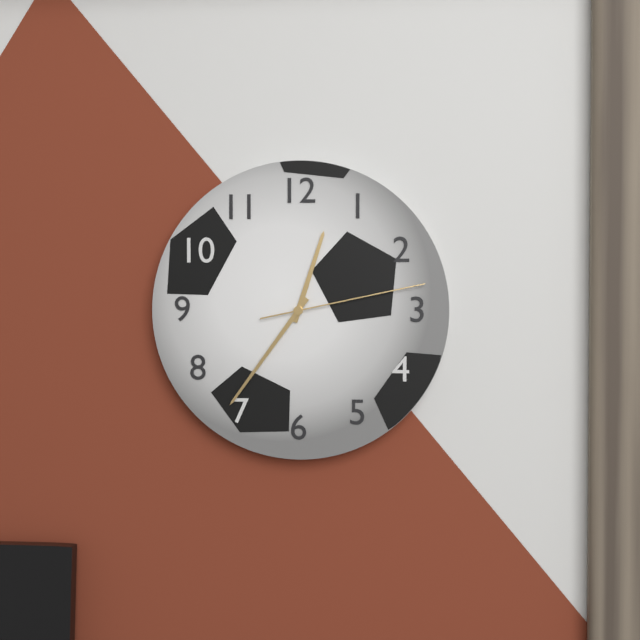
12:36:13
